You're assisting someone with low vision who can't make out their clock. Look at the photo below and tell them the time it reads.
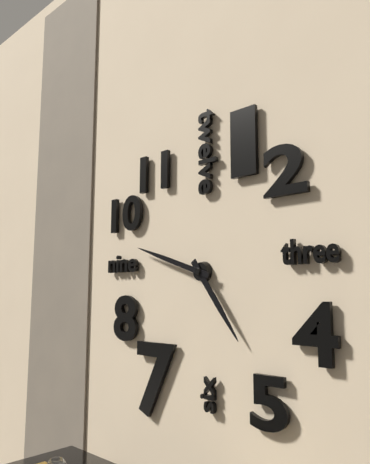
4:48
